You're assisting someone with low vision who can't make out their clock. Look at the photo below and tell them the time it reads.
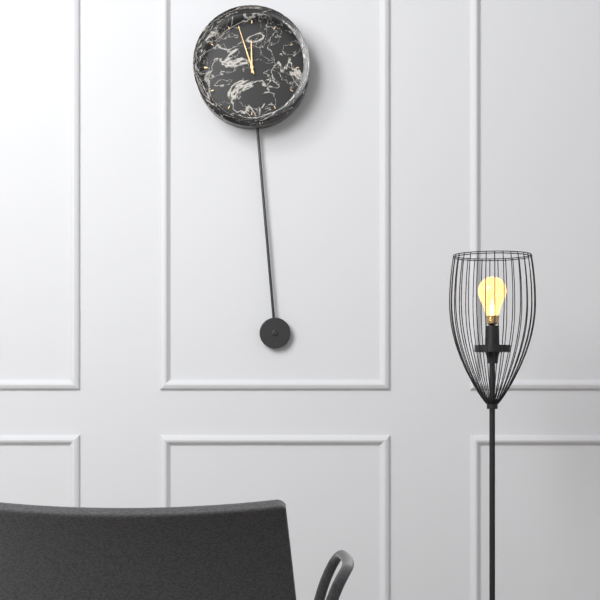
11:57
